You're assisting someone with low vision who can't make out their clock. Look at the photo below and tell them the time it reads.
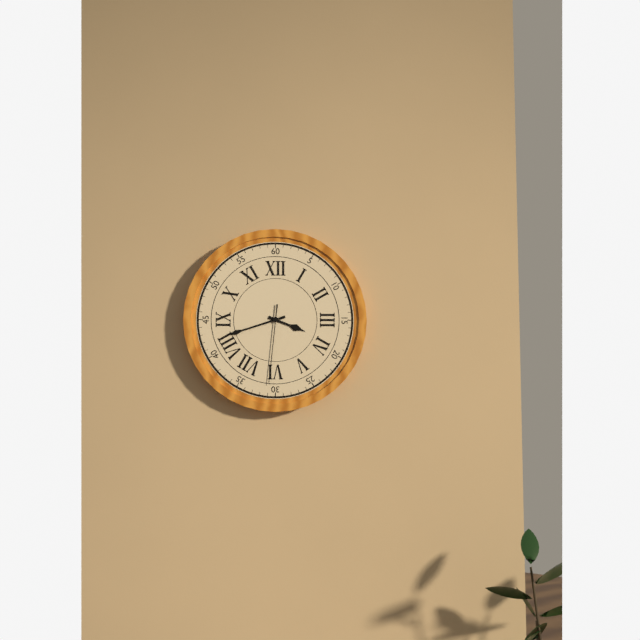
3:42:31
